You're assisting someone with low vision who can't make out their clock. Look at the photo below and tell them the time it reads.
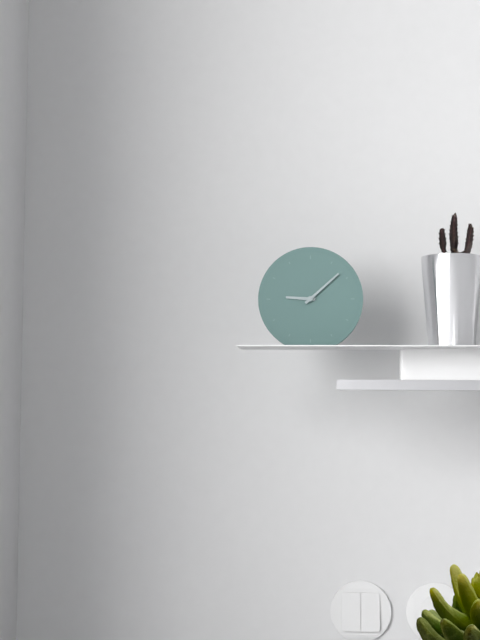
9:08
